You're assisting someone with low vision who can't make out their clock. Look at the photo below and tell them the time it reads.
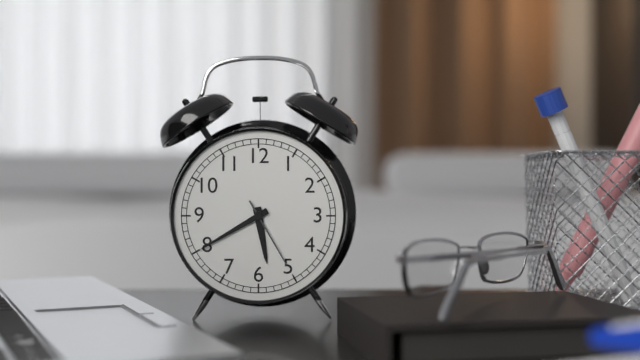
5:40:25
